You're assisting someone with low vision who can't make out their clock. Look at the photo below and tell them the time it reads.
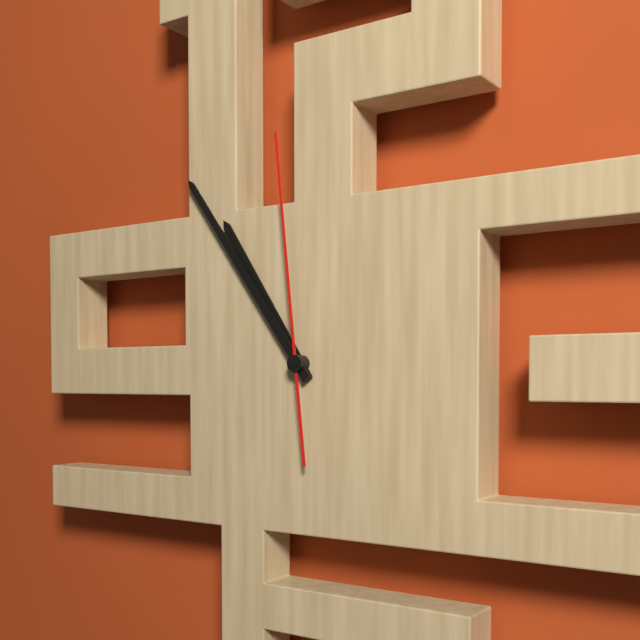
10:54:59
